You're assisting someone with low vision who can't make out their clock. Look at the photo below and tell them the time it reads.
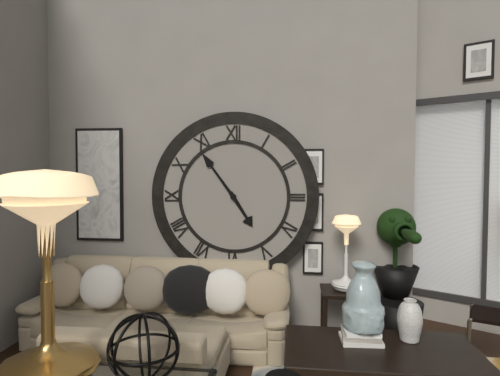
4:54
